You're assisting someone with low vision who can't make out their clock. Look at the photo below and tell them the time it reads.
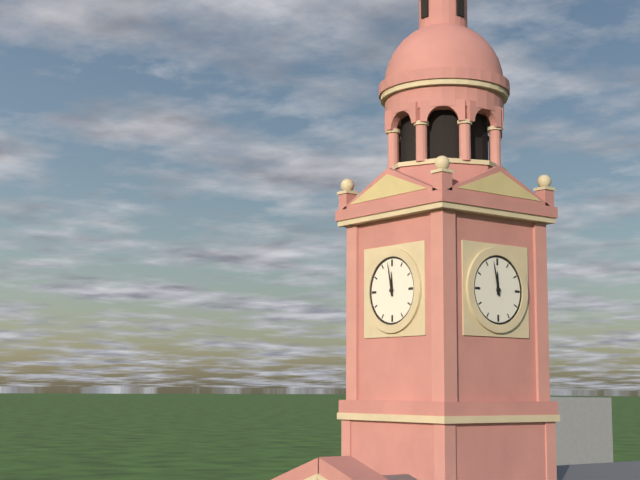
11:58
